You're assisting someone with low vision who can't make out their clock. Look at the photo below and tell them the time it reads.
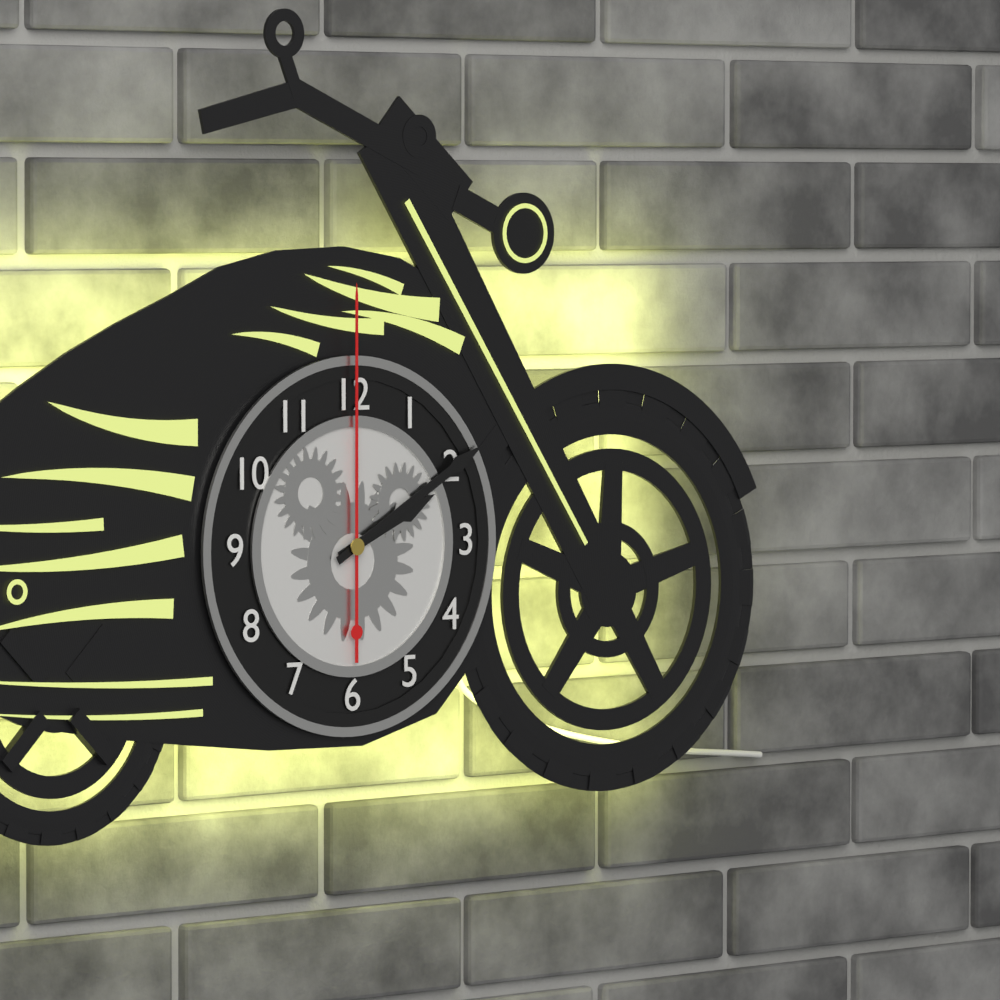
2:10:00
